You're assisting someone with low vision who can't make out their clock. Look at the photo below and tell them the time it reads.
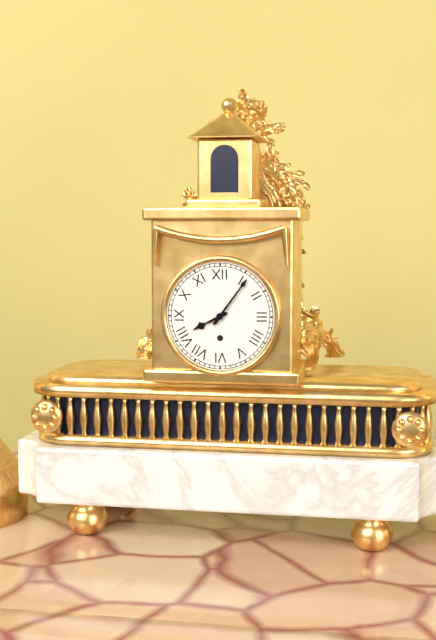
8:06
